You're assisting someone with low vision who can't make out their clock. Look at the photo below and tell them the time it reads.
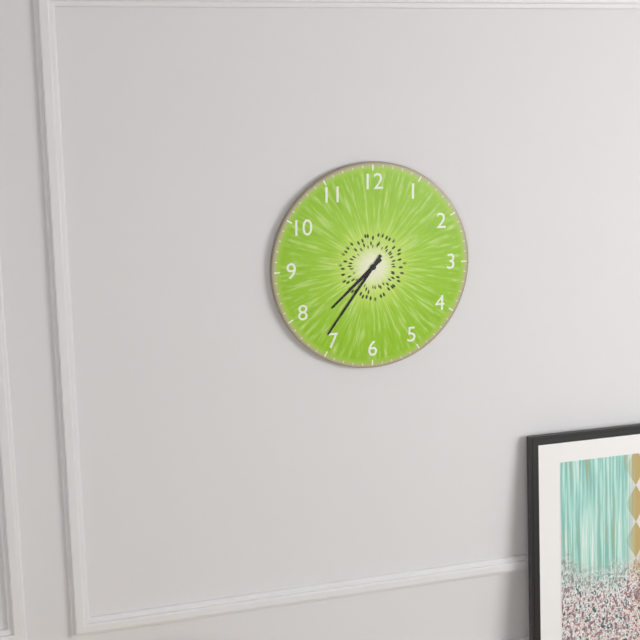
7:36
